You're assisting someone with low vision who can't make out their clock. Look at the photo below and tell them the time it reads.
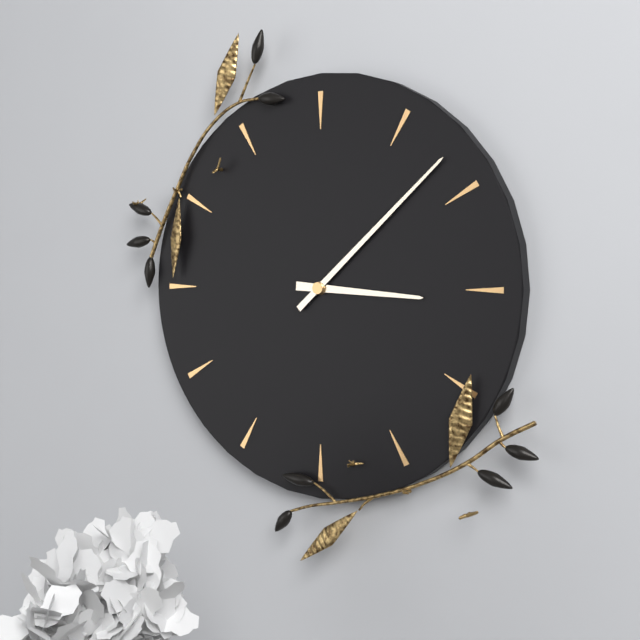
3:08
